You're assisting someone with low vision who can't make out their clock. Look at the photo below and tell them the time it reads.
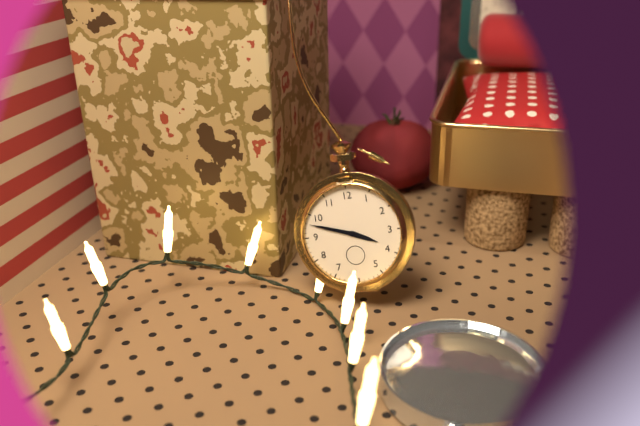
3:48
